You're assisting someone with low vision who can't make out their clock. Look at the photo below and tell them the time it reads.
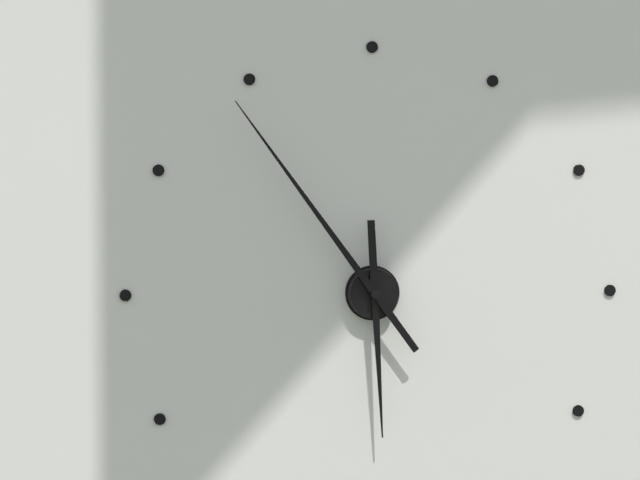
5:54
